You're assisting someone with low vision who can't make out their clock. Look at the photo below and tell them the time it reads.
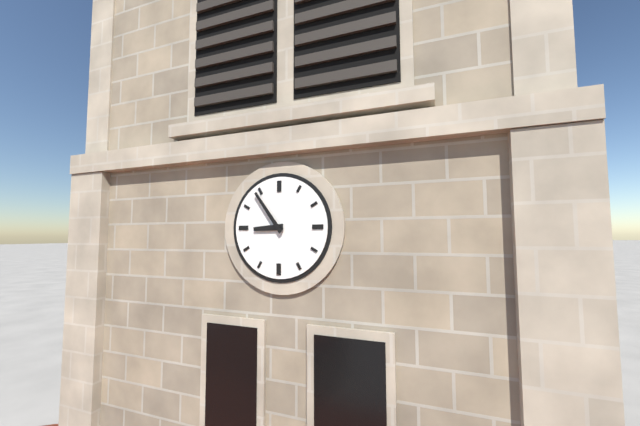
8:54
